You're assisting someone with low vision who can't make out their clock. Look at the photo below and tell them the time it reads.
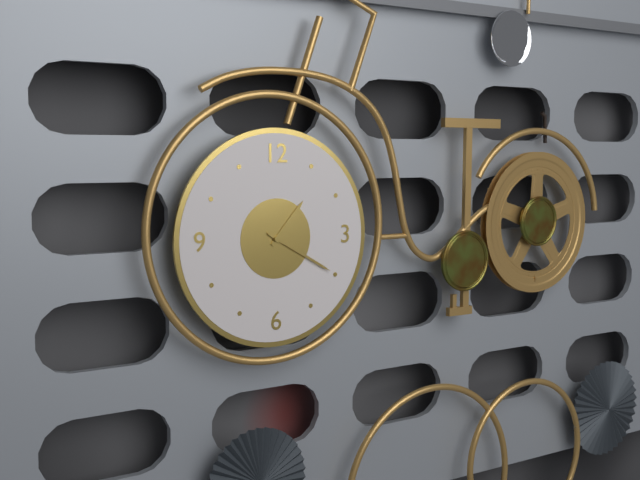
1:20
